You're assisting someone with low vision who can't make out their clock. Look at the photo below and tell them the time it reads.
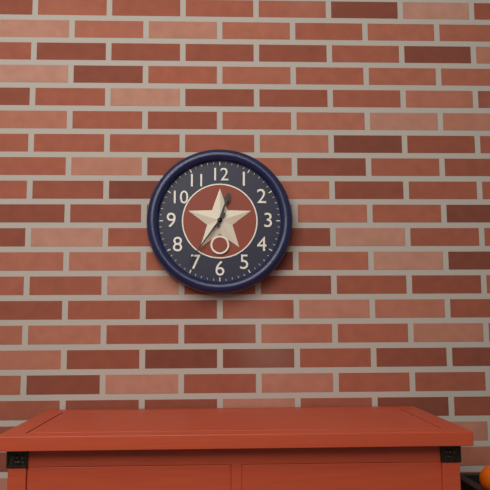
12:36
